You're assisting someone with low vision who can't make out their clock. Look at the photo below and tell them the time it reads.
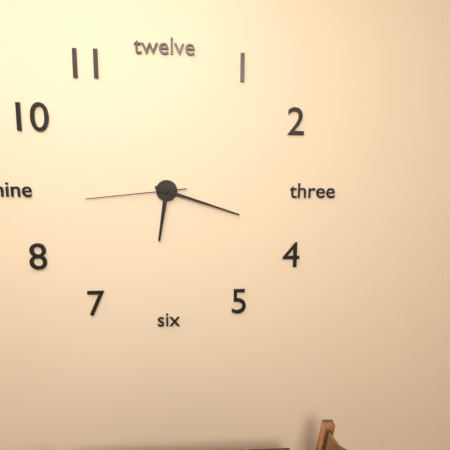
6:18:44
